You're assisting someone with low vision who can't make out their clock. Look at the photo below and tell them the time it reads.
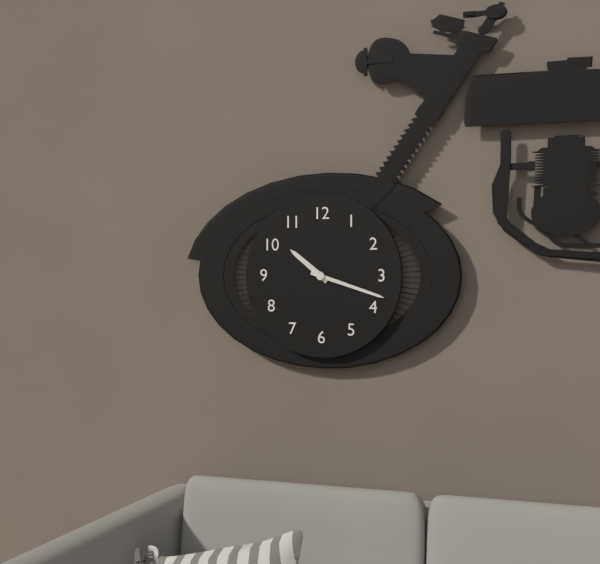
10:18
